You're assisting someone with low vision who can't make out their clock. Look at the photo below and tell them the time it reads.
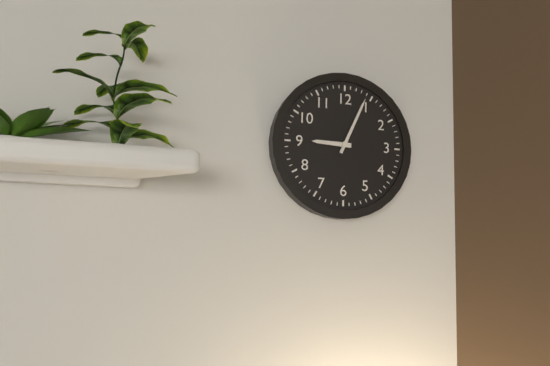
9:04
